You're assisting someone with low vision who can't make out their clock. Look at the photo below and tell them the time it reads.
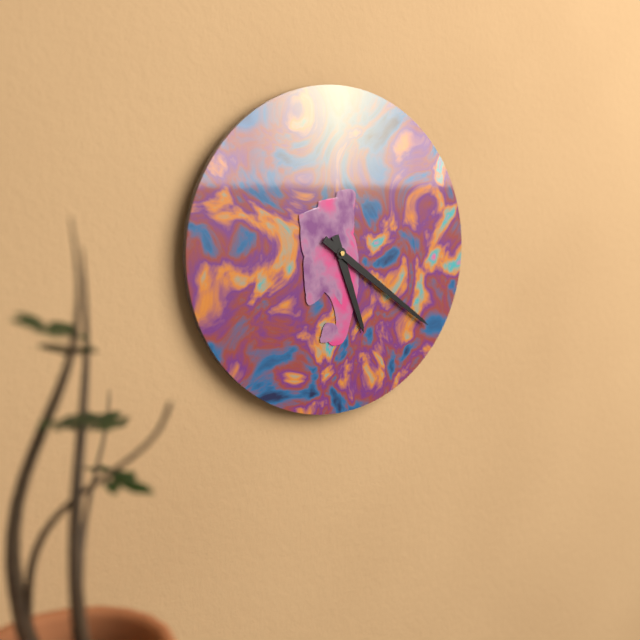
5:21
